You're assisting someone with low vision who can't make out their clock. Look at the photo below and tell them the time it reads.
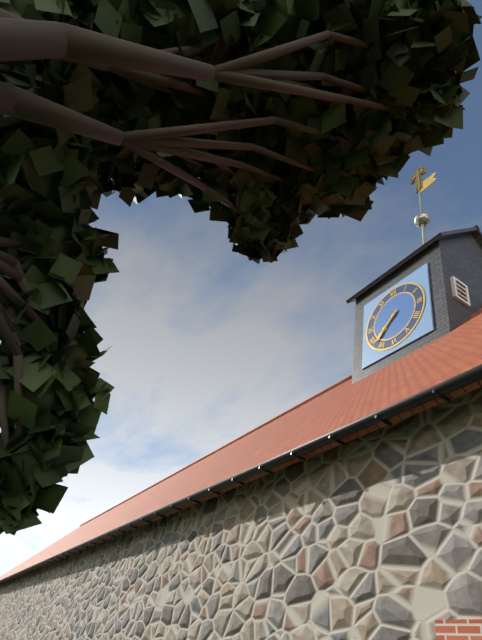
7:38
